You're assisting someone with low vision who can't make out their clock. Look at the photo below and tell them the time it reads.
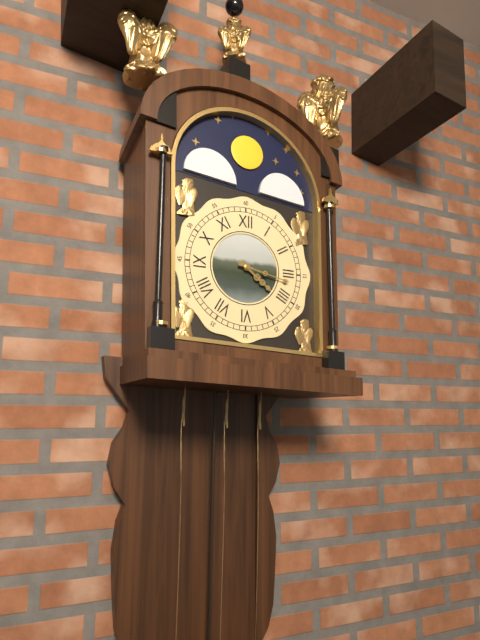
4:17
